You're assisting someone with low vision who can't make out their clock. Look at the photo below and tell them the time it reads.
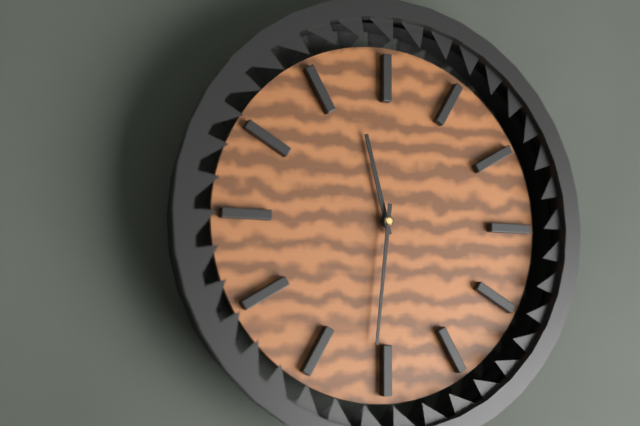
11:31
